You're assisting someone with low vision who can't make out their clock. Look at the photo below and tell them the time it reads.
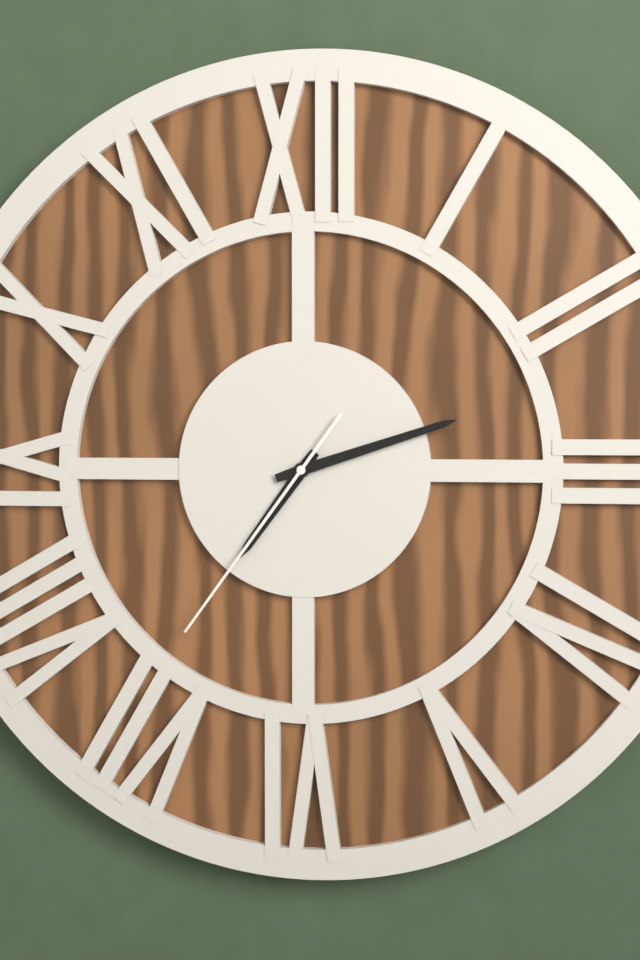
7:12:36
